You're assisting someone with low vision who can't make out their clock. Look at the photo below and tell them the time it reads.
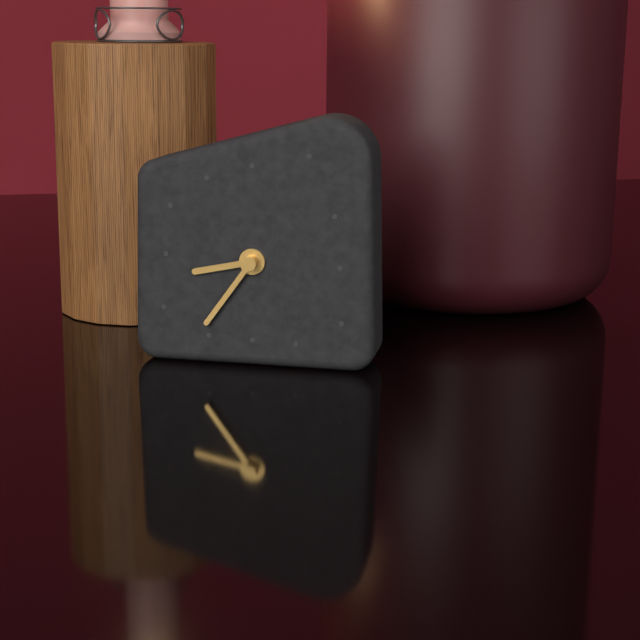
8:36
